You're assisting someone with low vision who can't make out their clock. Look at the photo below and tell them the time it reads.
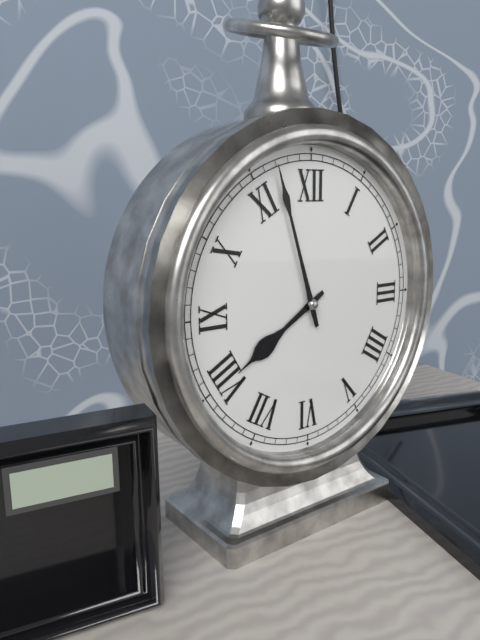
7:57
